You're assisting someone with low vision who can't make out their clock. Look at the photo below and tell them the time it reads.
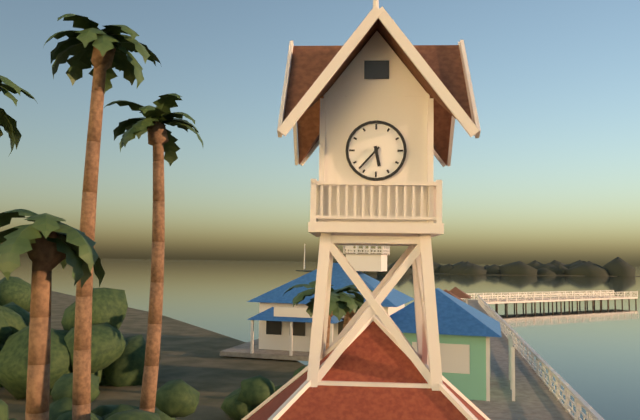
5:37
